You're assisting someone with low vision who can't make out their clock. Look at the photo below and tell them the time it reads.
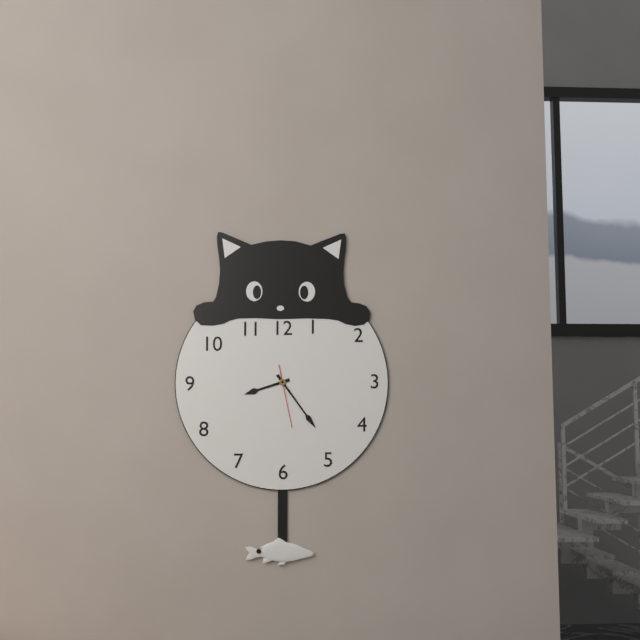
8:24:28
